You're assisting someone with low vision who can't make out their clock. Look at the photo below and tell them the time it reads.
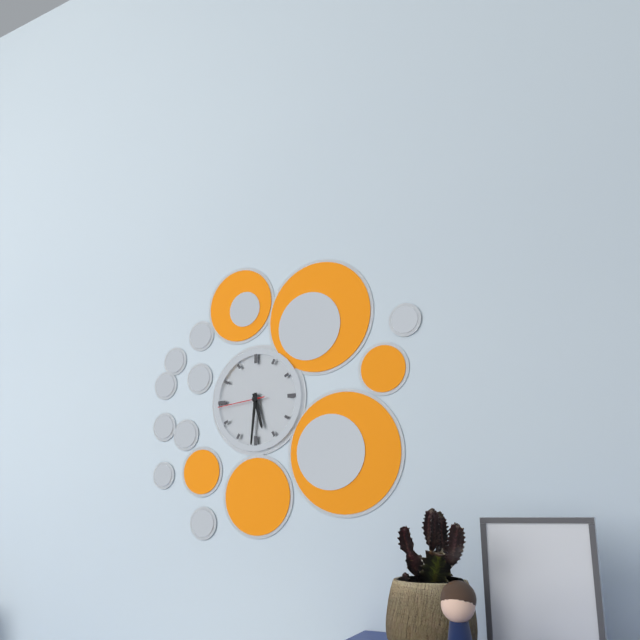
5:31
